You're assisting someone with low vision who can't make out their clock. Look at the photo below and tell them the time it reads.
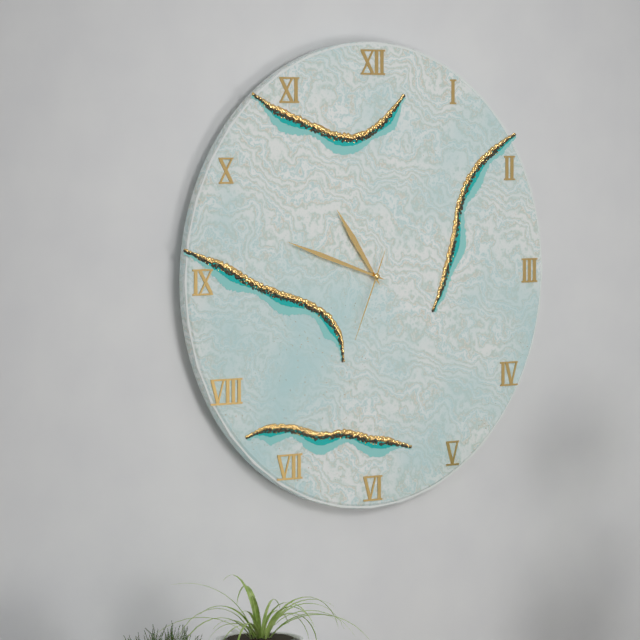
10:48:34
